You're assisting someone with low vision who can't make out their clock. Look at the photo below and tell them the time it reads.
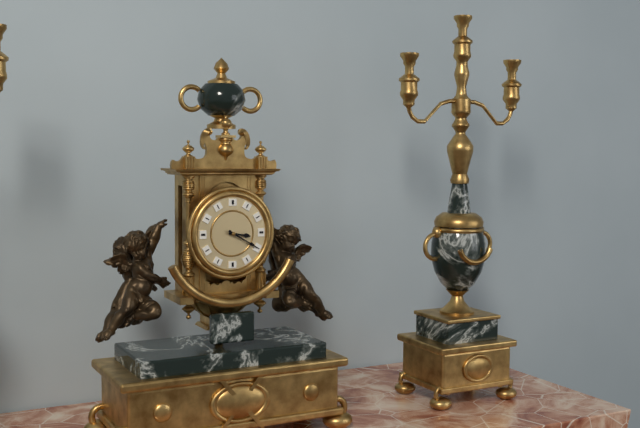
3:20
